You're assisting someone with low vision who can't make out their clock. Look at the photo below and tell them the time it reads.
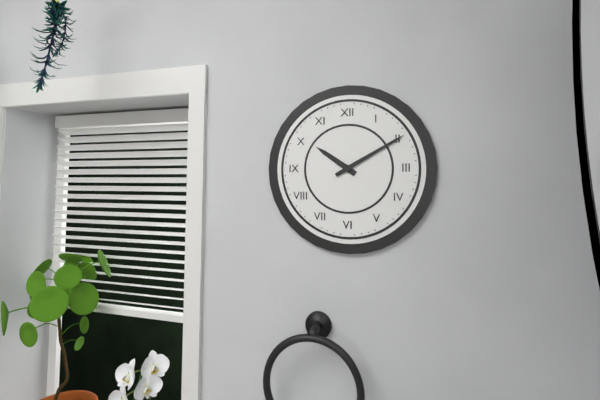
10:10
